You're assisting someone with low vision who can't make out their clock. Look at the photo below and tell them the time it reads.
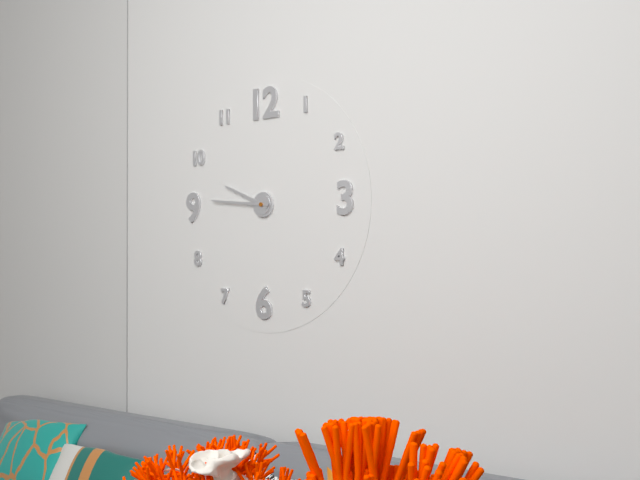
9:46
